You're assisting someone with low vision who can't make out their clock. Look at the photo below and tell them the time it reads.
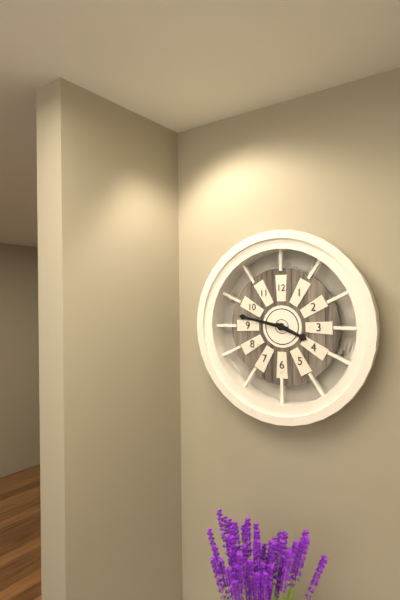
3:47
